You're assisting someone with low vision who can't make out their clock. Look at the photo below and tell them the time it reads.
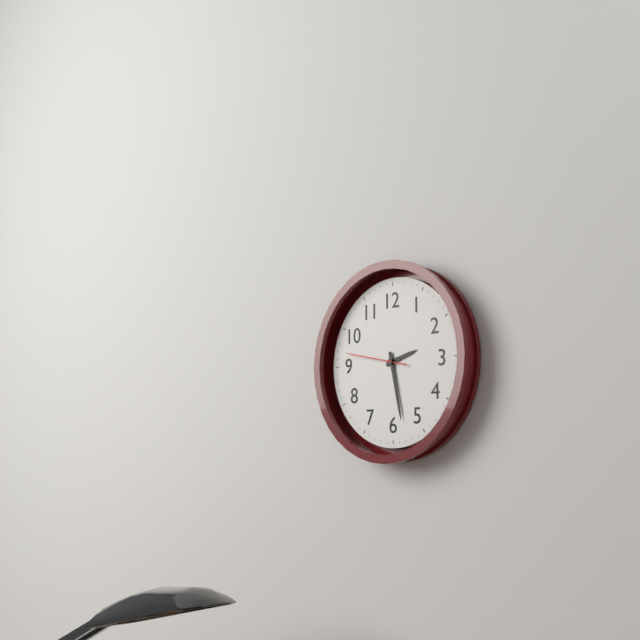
2:28:47
